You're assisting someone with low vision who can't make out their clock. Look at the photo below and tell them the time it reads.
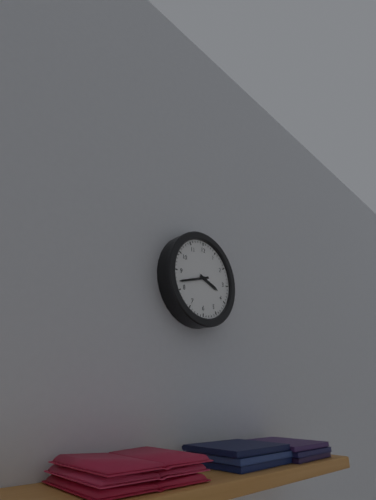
3:42
